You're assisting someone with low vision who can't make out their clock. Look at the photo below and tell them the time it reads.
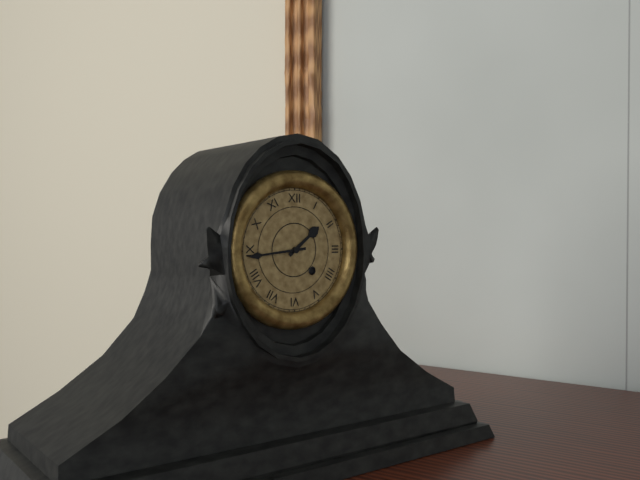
1:44
